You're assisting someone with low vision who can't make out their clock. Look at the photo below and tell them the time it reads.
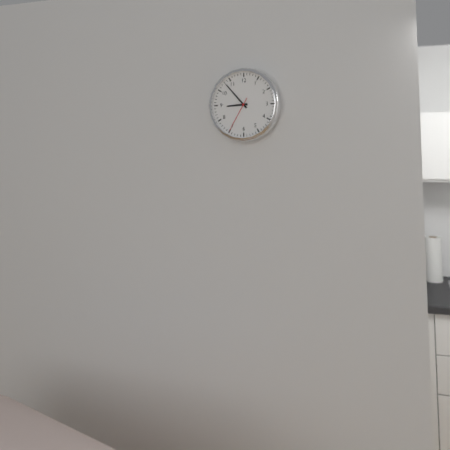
8:53
